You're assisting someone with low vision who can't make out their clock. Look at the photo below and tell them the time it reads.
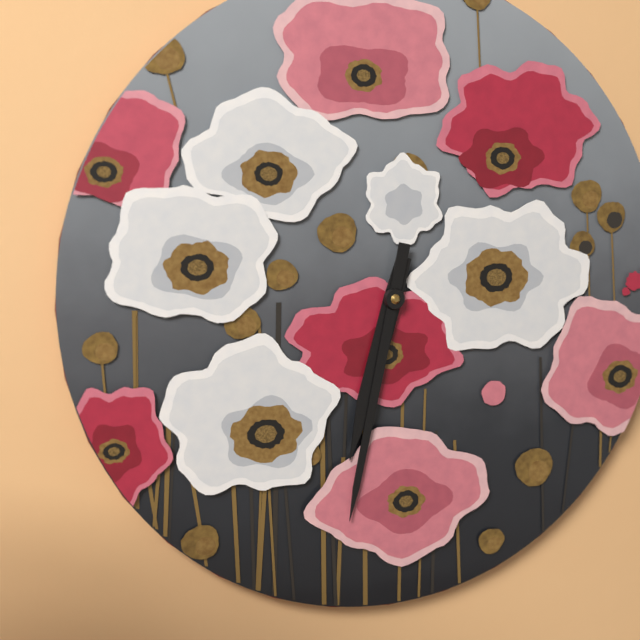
6:32
